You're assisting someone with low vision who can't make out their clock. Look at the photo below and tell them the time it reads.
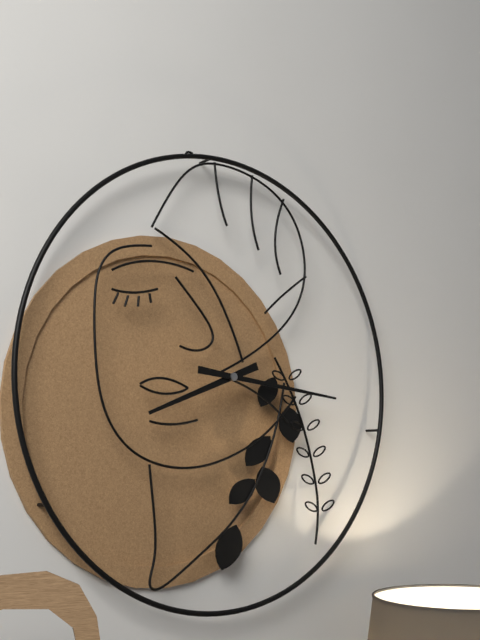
8:16
